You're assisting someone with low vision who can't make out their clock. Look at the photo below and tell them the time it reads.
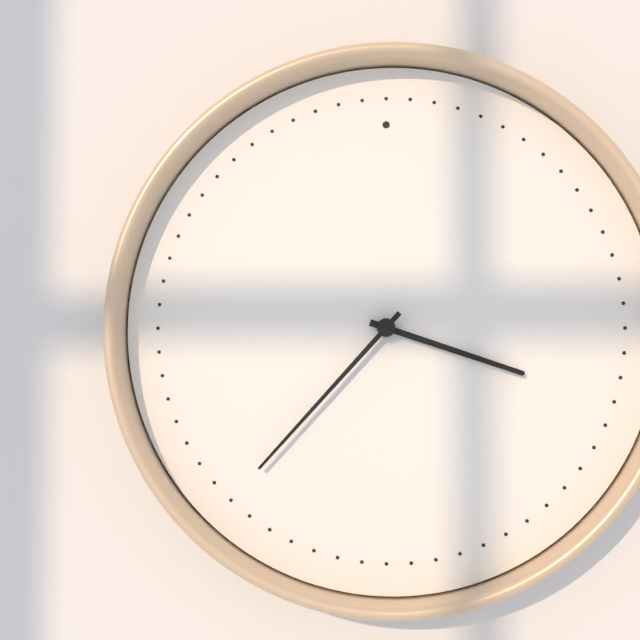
3:37
